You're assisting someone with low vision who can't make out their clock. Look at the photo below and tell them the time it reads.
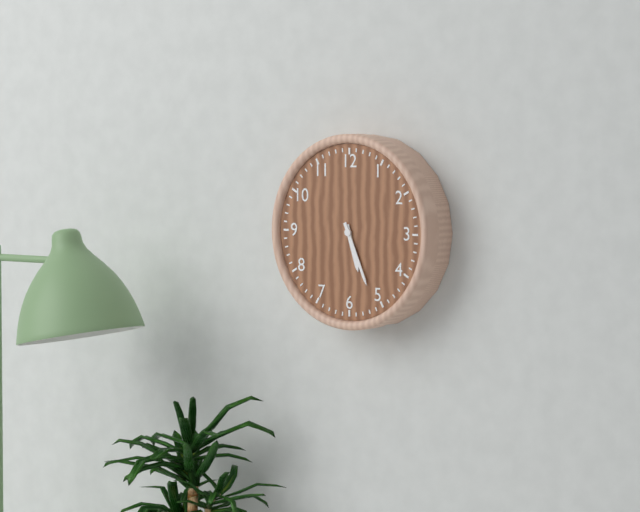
5:26
